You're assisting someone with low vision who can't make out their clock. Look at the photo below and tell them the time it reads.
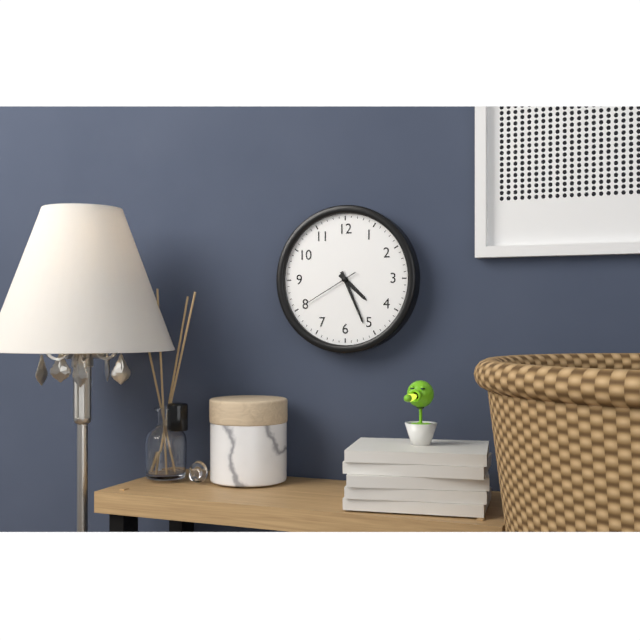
4:26:40
